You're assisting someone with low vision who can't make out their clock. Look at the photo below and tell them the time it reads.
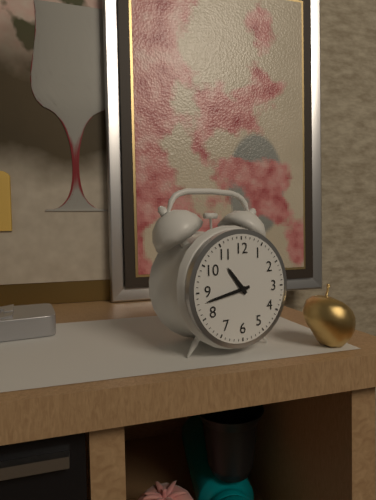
10:43
